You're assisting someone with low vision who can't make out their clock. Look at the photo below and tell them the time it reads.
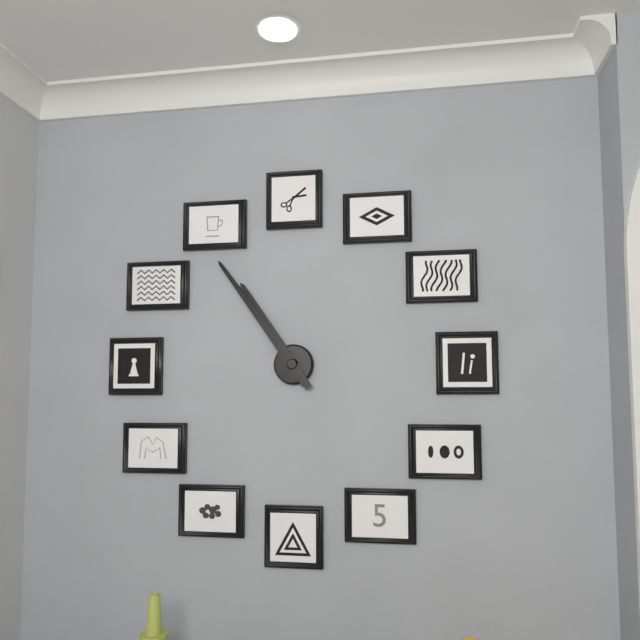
10:54
